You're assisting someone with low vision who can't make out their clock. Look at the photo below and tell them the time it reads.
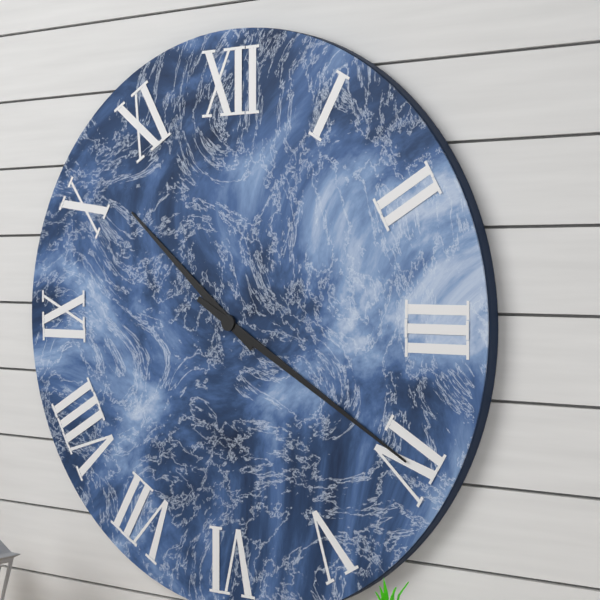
10:20
